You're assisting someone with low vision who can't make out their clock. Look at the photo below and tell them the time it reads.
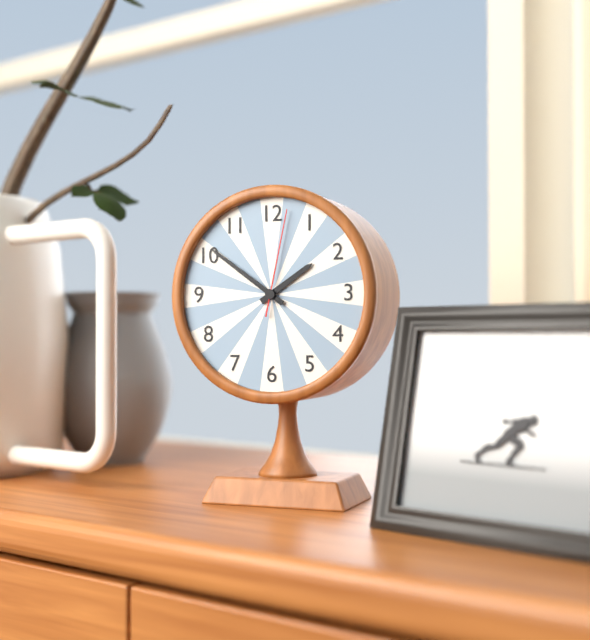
1:51:02
